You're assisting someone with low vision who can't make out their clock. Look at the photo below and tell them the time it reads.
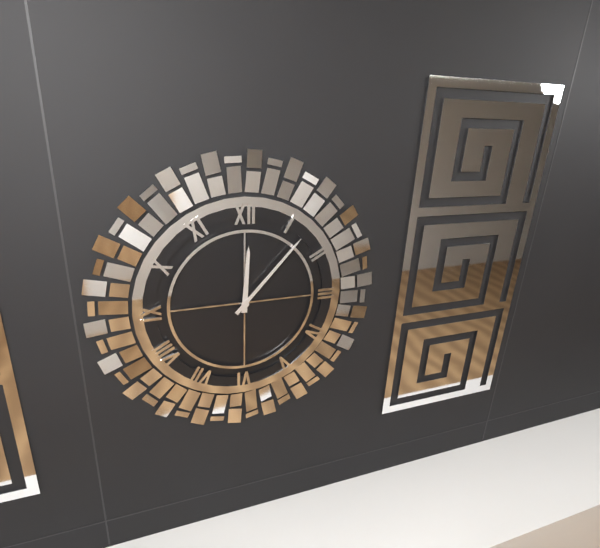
12:07
